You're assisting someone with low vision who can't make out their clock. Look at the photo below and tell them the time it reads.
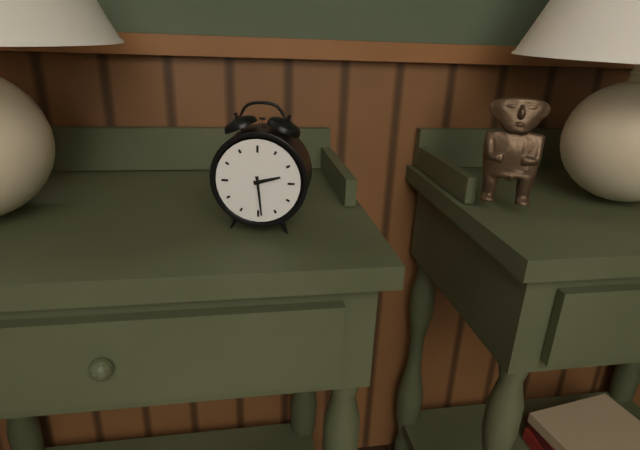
2:29
